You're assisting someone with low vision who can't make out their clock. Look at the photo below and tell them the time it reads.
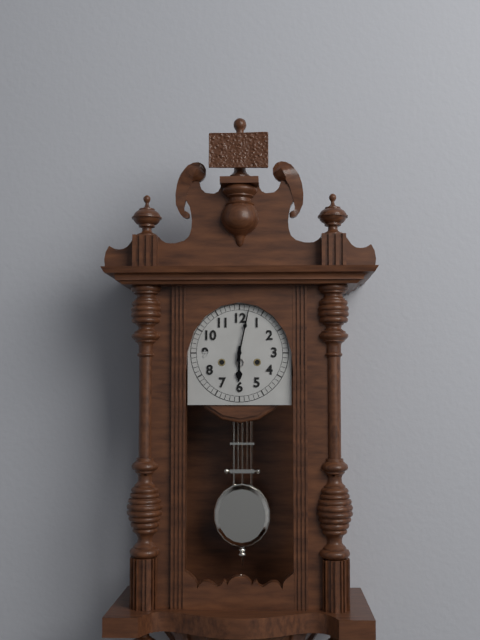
6:02
